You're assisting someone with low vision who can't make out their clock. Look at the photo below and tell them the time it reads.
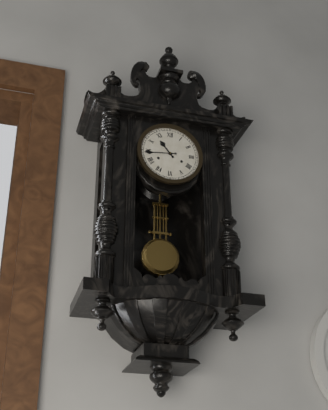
10:44
